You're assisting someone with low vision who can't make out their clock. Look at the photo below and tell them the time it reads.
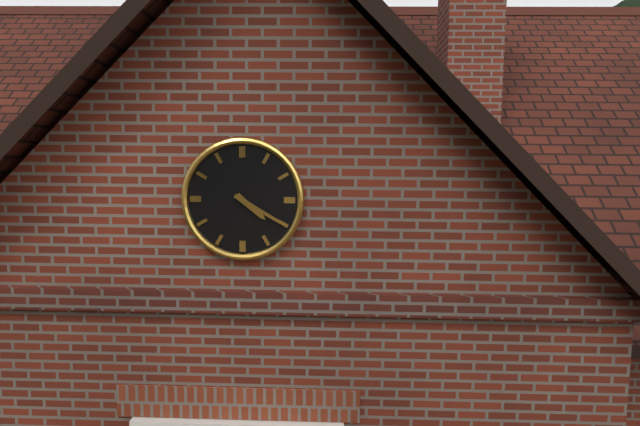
4:20
